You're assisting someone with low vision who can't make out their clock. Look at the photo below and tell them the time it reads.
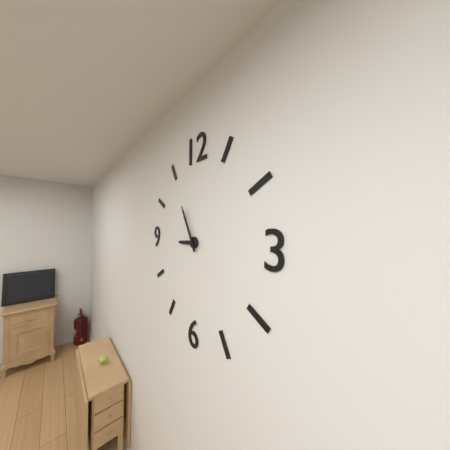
8:55
